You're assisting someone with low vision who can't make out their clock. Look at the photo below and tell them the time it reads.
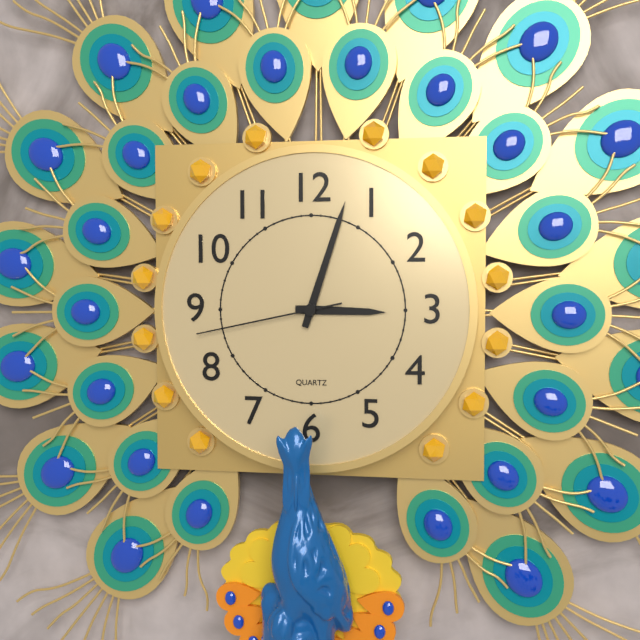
3:03:43
